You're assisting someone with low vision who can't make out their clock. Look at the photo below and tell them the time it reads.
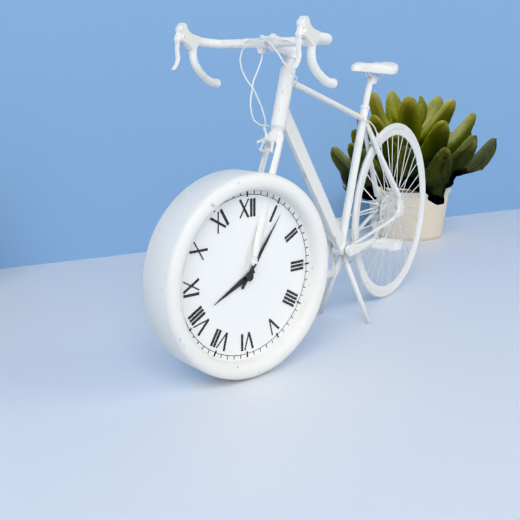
8:06
